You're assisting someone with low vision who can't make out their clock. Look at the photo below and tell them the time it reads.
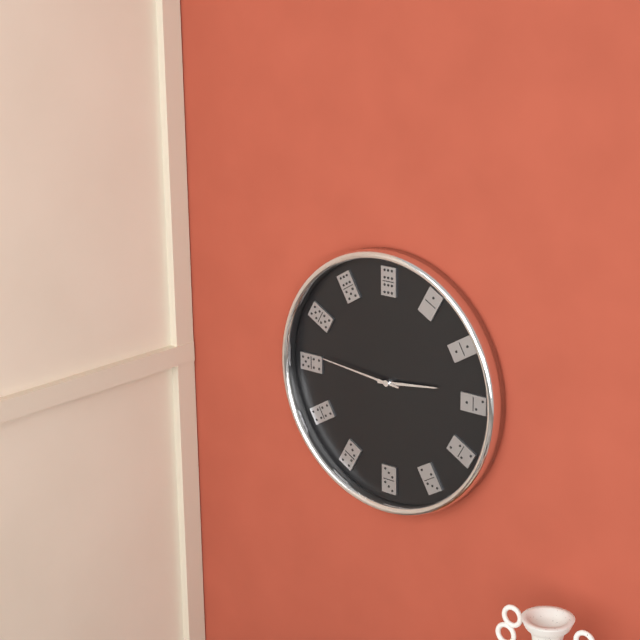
2:46
